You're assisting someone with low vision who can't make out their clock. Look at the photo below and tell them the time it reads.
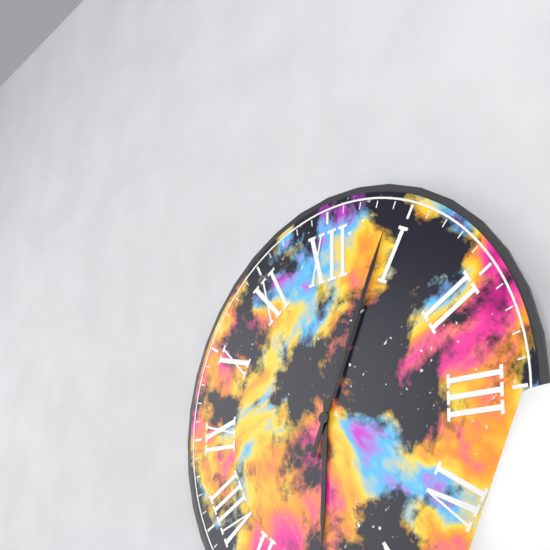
6:04
